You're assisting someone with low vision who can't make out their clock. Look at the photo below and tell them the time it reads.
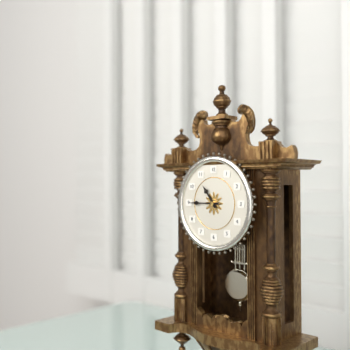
10:45
